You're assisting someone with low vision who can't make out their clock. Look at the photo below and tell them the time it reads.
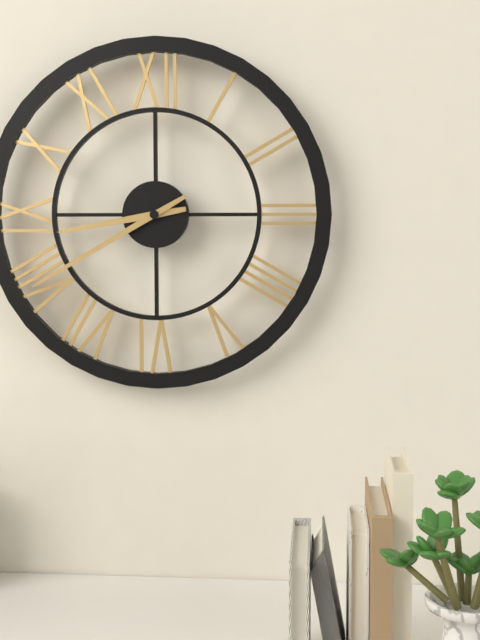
8:40
